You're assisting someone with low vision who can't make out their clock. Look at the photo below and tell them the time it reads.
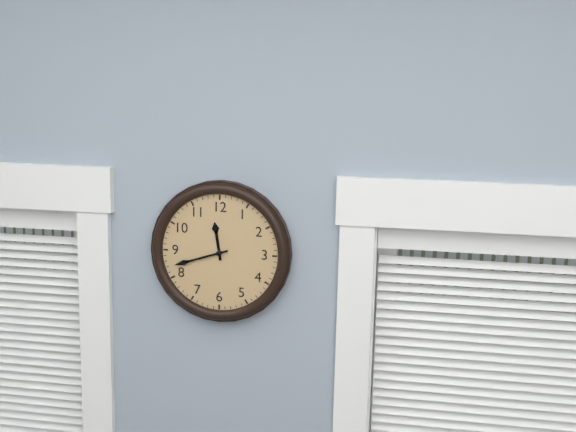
11:42
